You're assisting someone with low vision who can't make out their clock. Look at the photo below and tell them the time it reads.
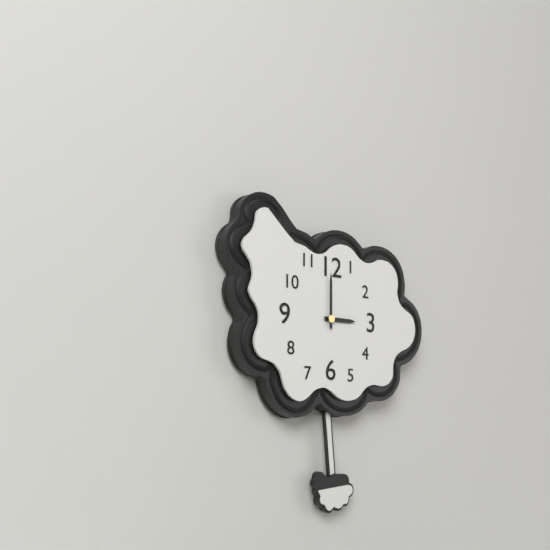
3:00
